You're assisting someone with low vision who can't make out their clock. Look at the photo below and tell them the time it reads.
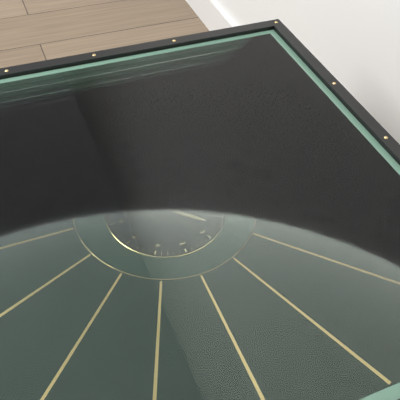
7:07
